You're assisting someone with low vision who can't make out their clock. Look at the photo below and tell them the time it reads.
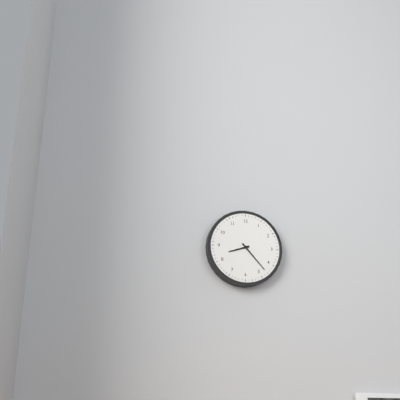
8:23
